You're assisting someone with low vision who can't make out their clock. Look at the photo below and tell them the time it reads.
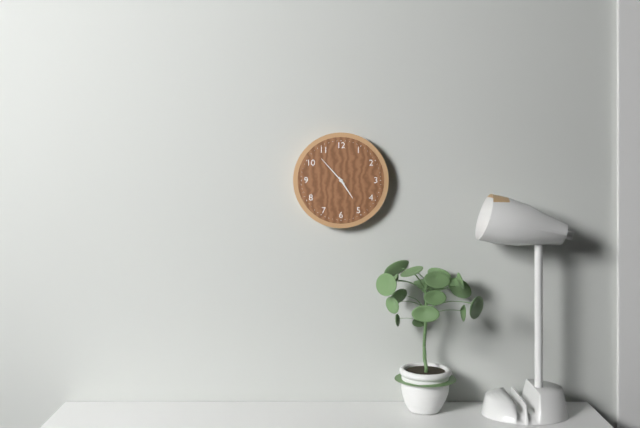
4:53
